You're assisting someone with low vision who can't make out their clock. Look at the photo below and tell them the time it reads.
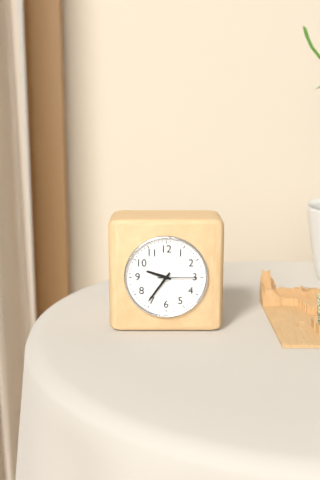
9:36
